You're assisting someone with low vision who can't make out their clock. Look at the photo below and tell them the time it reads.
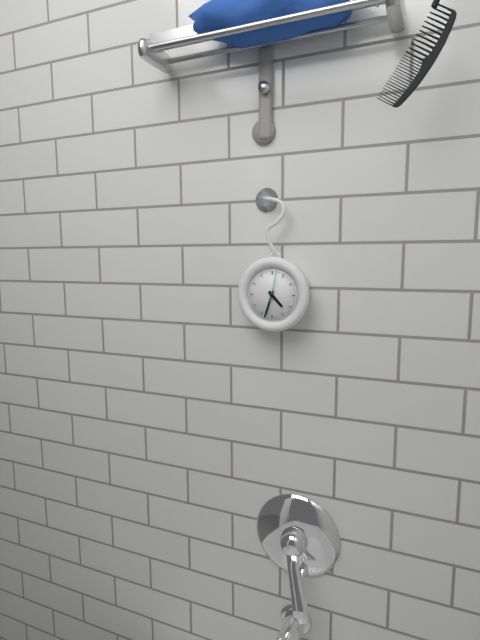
4:33
